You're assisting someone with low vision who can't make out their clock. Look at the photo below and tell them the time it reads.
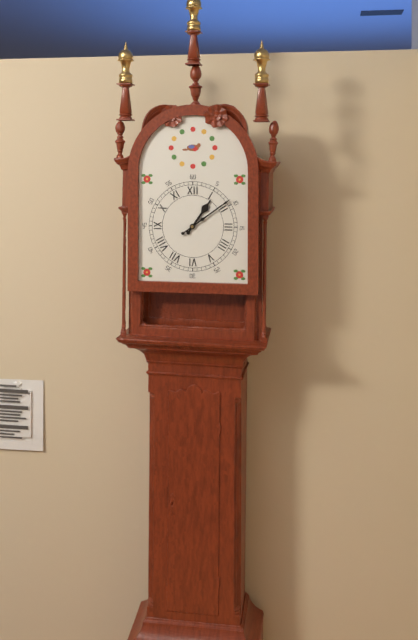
1:09
